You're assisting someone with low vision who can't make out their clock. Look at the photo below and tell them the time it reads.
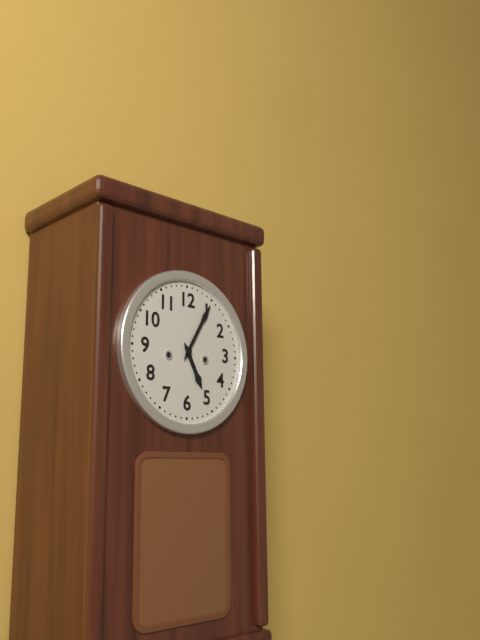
5:05
